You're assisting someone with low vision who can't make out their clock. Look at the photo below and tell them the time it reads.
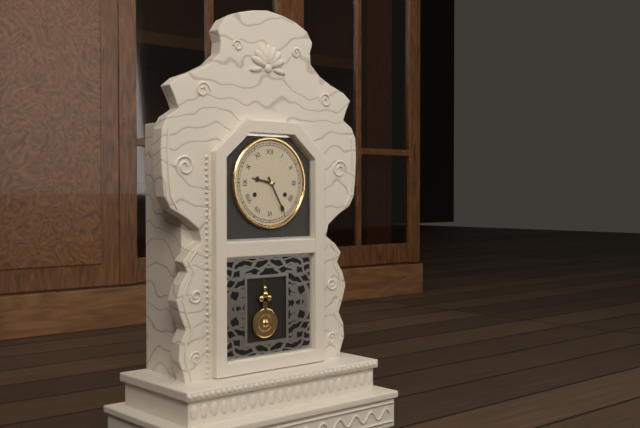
9:25
